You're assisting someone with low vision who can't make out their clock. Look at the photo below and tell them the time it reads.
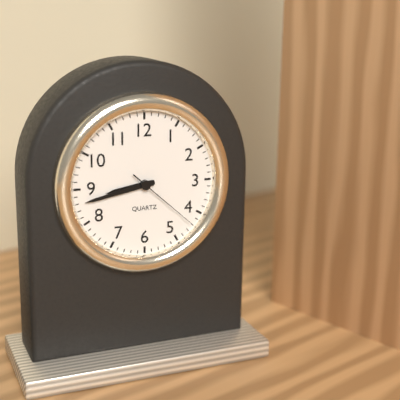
8:43:22
